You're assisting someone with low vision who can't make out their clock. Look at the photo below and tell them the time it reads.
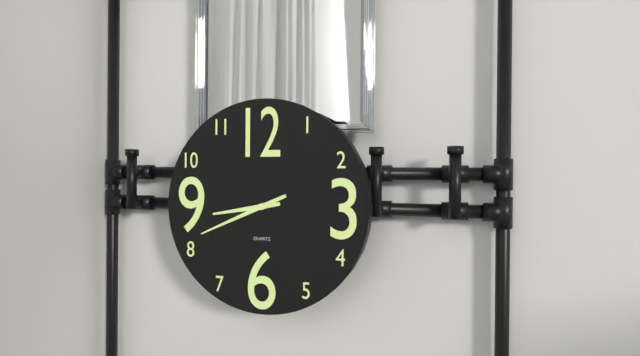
8:41
